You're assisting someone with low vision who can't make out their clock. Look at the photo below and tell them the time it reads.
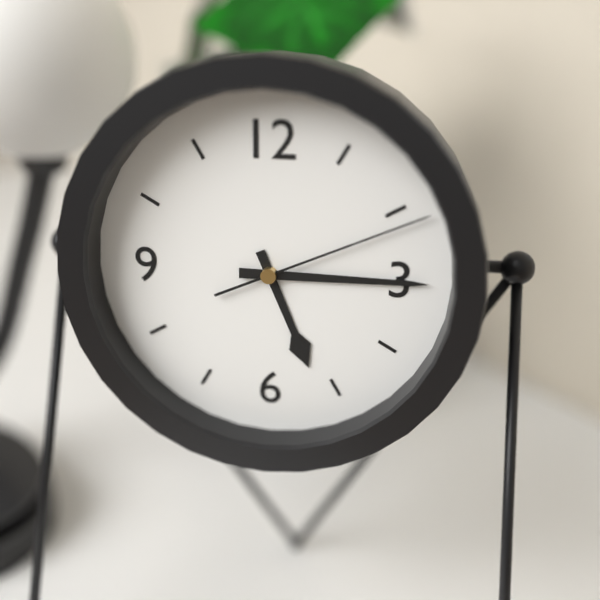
5:15:11
